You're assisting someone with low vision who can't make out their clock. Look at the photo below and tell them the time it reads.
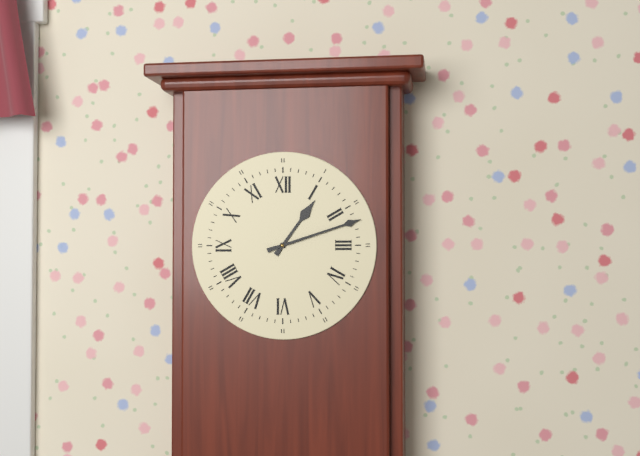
1:12
